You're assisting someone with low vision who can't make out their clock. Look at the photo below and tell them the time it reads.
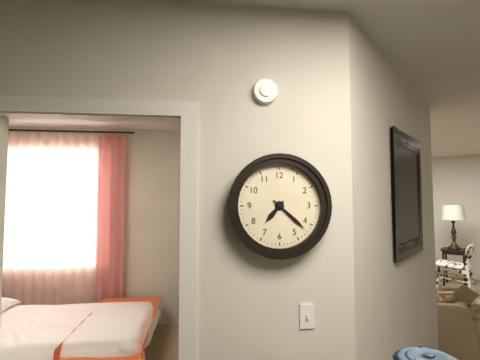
7:22
